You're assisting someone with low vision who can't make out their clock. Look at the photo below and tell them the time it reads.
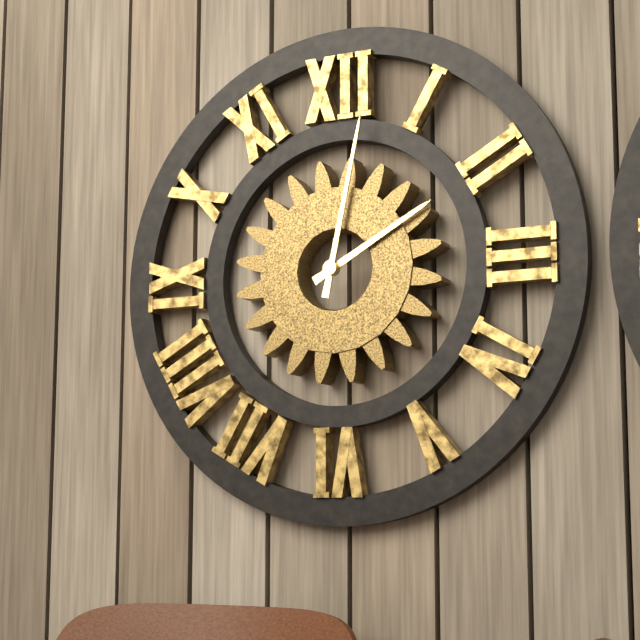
2:02
